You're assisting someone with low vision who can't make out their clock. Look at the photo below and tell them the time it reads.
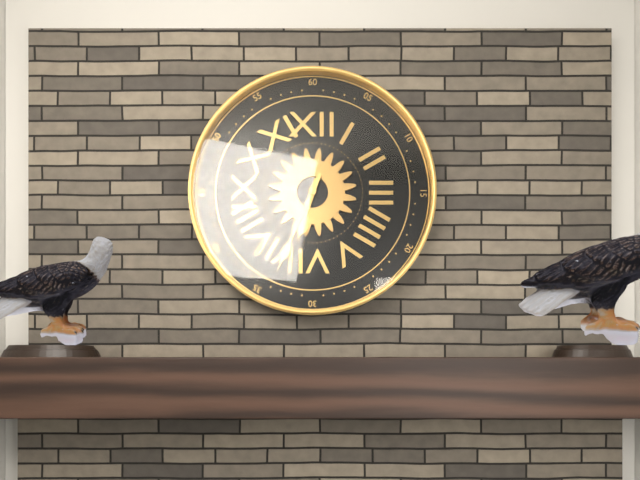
6:34
